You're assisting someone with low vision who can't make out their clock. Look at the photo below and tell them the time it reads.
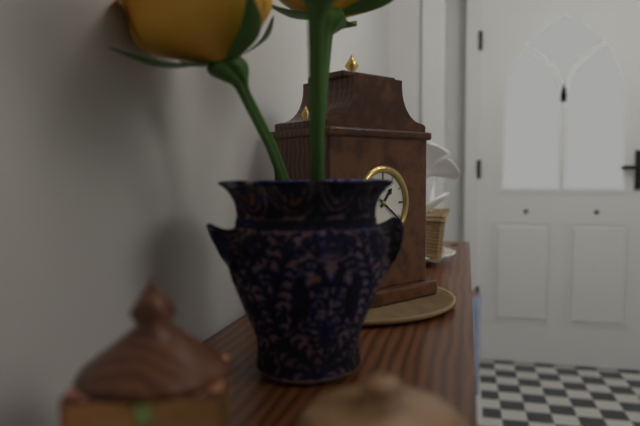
1:21
